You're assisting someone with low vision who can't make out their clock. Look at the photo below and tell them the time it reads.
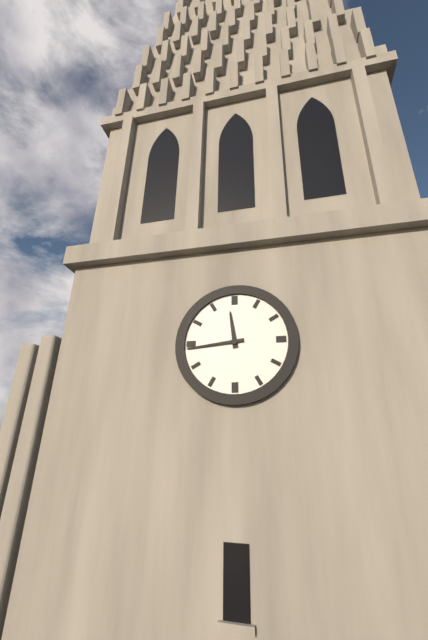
11:44
